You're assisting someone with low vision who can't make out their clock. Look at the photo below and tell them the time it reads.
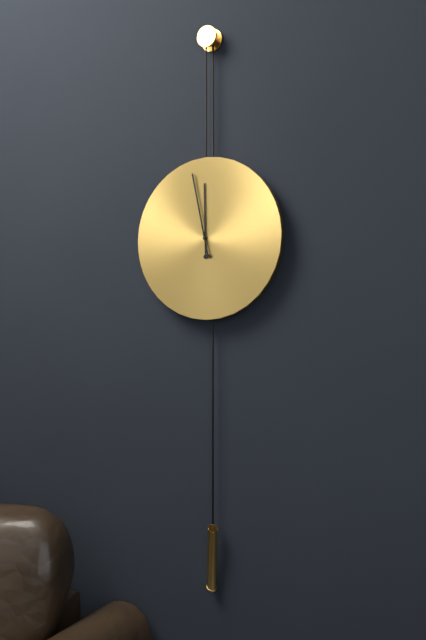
11:58
